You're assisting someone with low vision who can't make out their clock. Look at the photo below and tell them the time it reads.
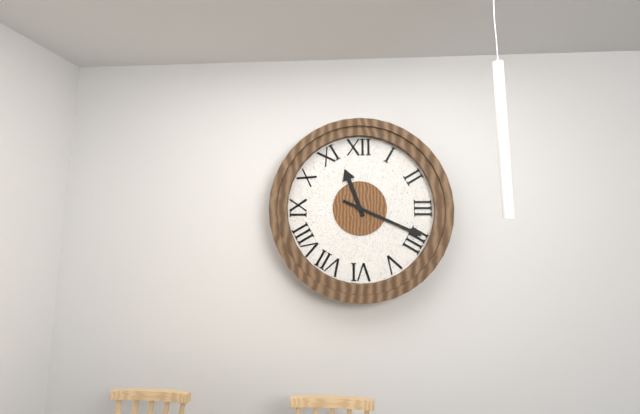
11:19
